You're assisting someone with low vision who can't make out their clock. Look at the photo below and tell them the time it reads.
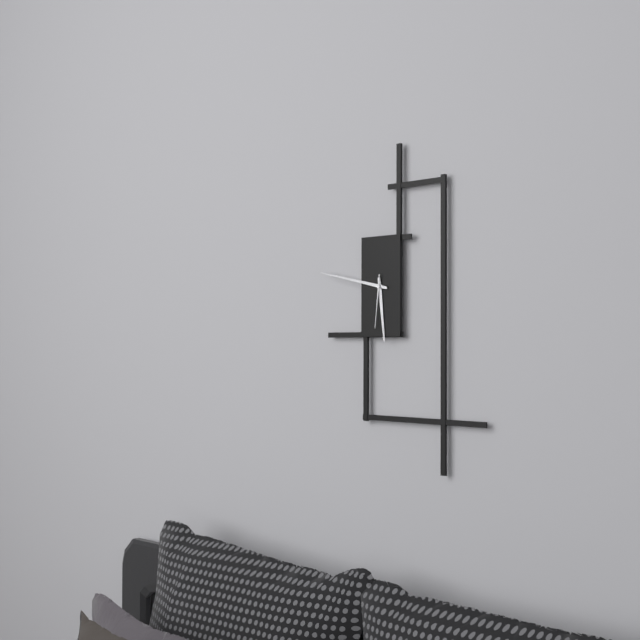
5:47:31
